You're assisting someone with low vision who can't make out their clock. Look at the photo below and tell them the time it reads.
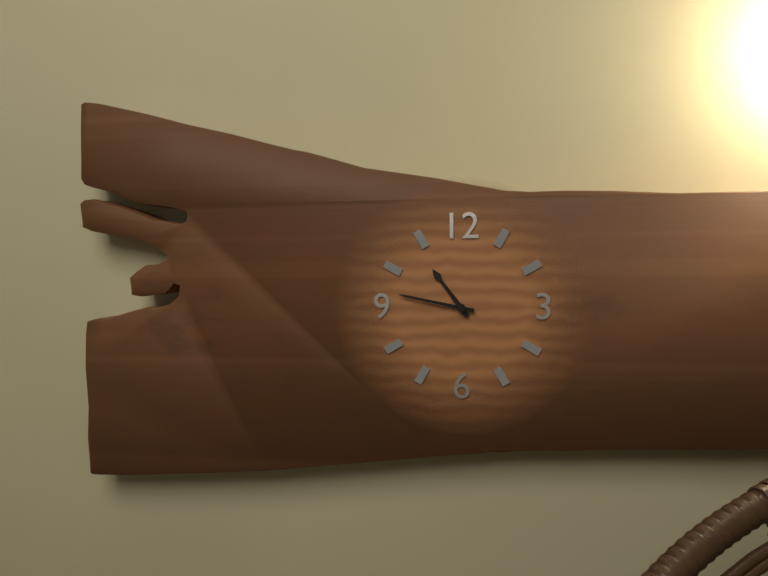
10:47
